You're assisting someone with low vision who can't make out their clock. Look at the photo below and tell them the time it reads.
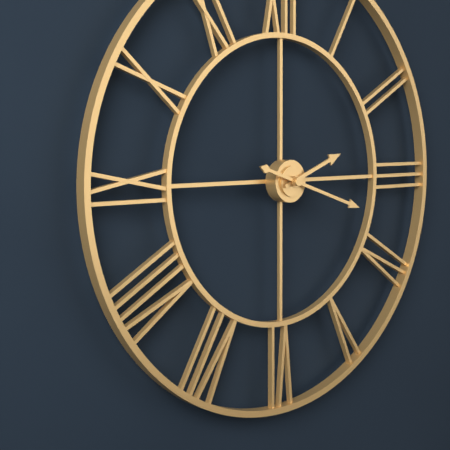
2:18
